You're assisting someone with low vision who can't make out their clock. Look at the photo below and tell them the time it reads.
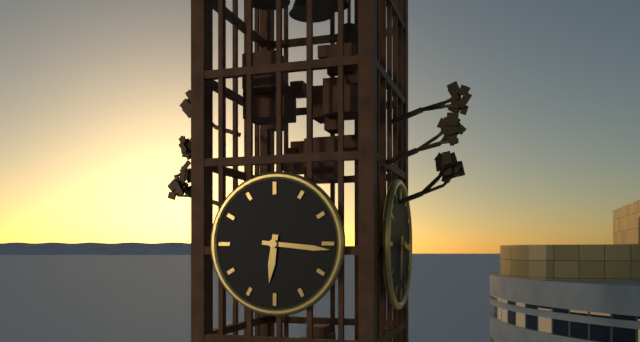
6:16
